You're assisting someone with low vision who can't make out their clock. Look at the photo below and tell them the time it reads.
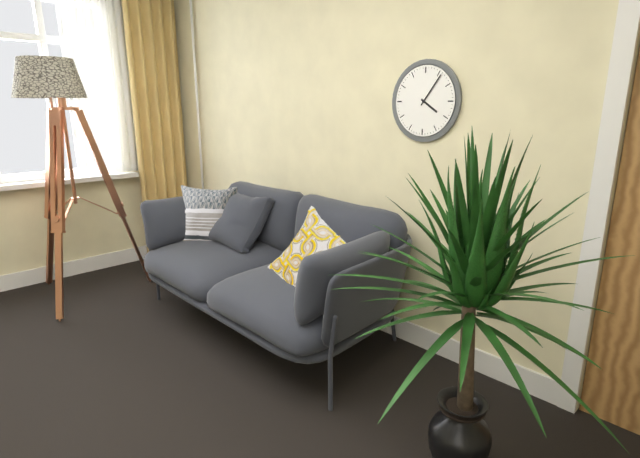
4:06
